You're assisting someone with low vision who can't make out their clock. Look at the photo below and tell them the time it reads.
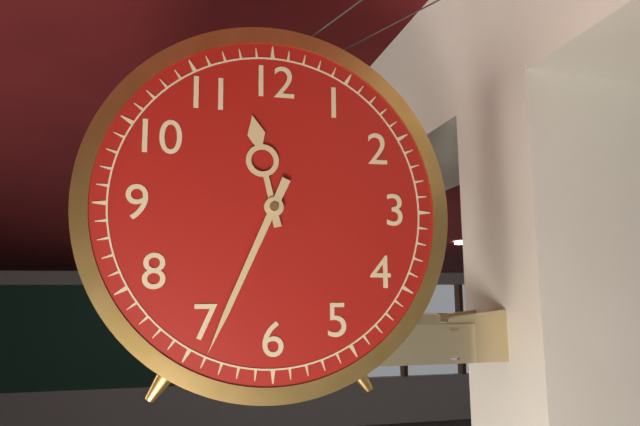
11:34
